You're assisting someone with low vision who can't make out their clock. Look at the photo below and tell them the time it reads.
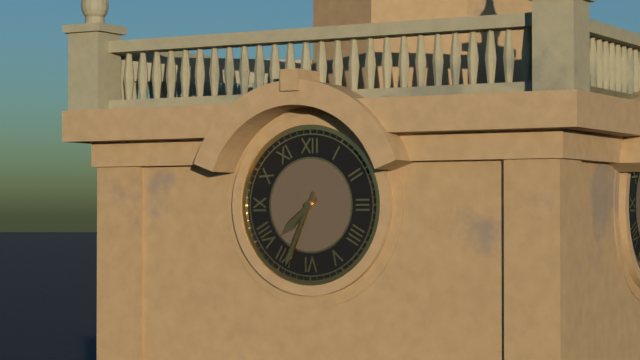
7:34
